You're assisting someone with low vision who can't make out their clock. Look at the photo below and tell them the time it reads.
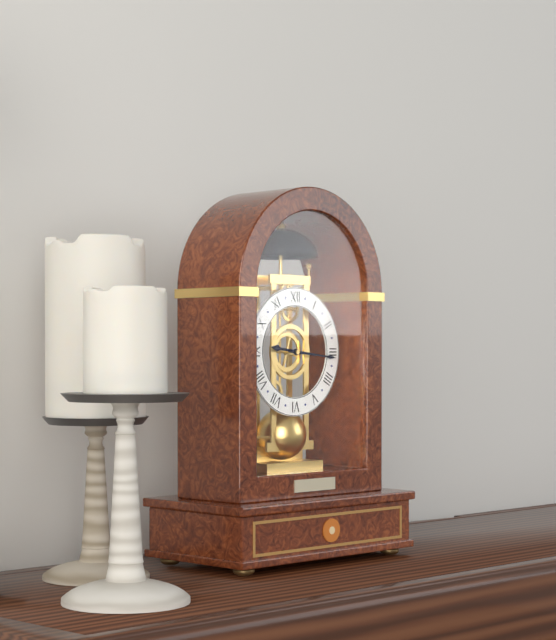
9:16
